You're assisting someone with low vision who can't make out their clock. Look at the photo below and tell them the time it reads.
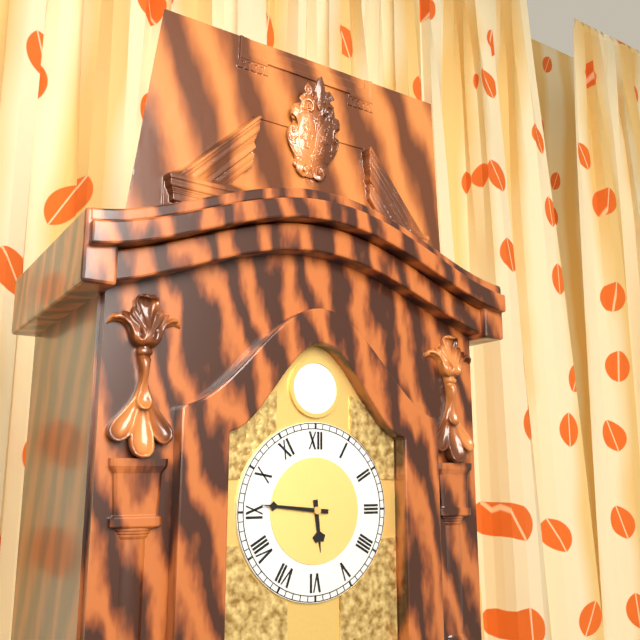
5:46
